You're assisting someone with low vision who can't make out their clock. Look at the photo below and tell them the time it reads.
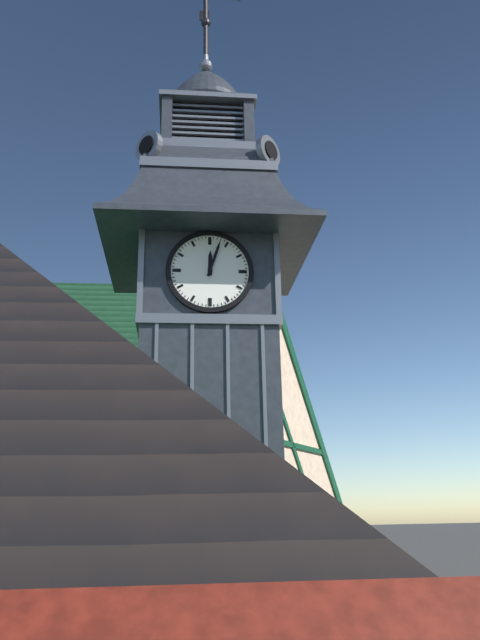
12:03
